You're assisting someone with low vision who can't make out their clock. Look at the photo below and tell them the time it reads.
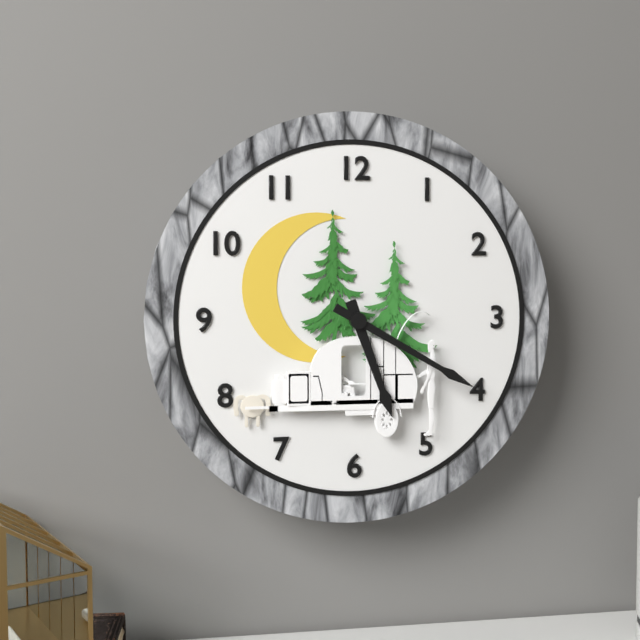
5:20
